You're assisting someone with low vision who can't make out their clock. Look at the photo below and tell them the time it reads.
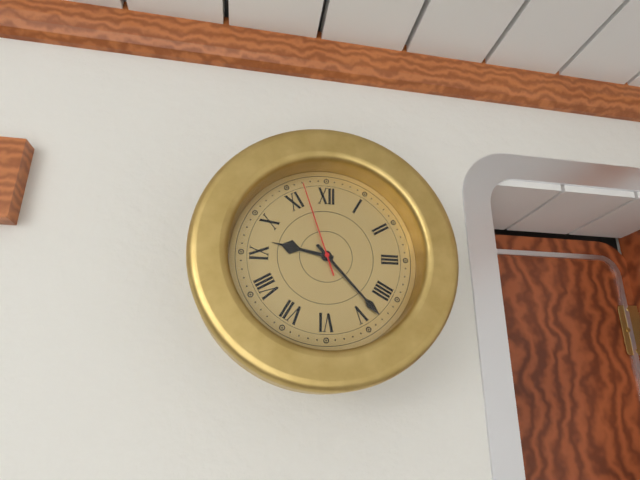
9:23:57
